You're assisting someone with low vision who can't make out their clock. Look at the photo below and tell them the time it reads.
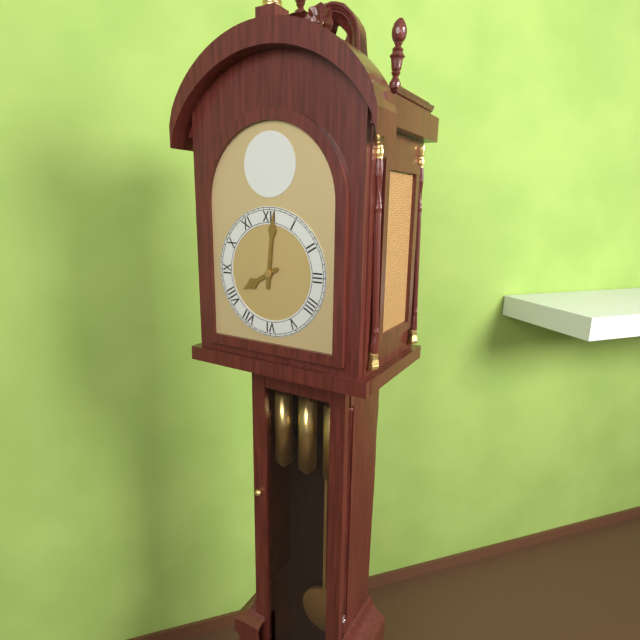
8:01
